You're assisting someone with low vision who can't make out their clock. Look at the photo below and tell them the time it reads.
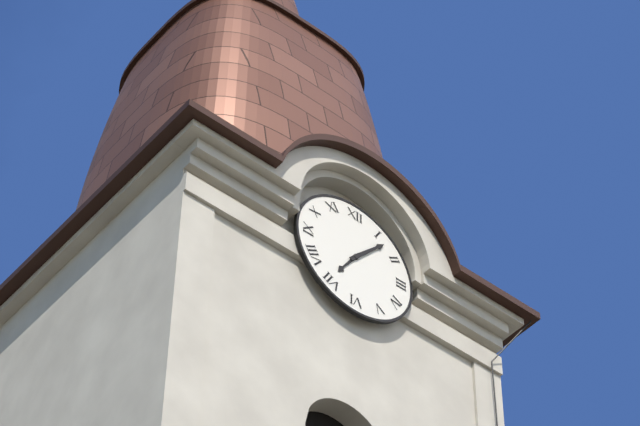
7:07
